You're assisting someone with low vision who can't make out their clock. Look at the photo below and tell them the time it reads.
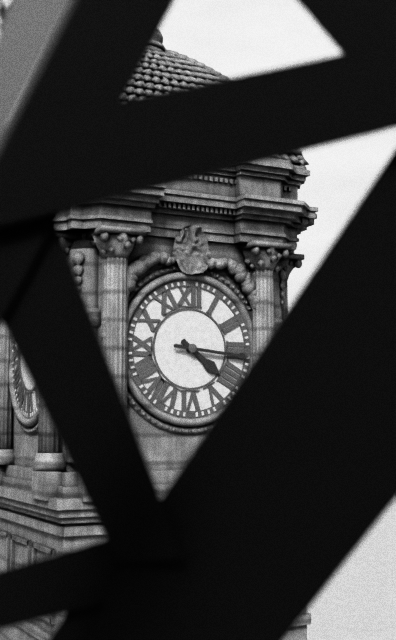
4:16
